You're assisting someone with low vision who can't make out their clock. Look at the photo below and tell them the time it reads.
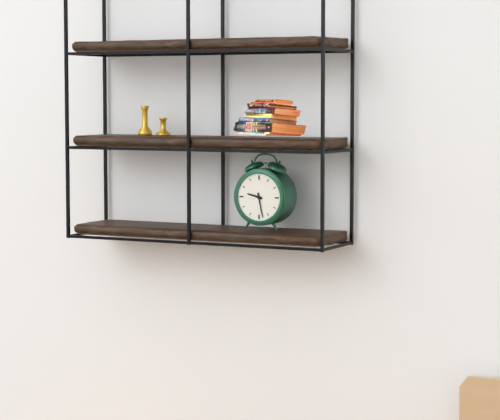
9:28
